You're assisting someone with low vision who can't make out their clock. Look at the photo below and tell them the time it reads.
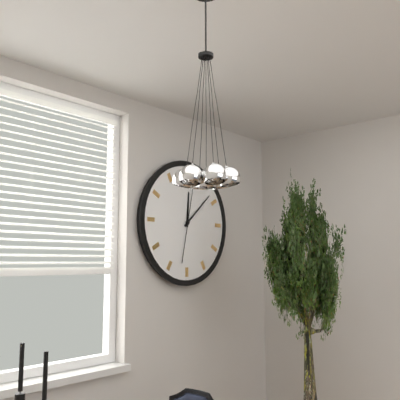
12:08:02
